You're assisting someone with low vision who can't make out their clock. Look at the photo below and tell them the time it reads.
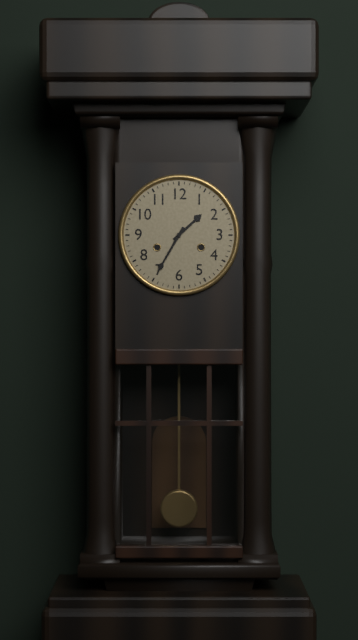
1:35
